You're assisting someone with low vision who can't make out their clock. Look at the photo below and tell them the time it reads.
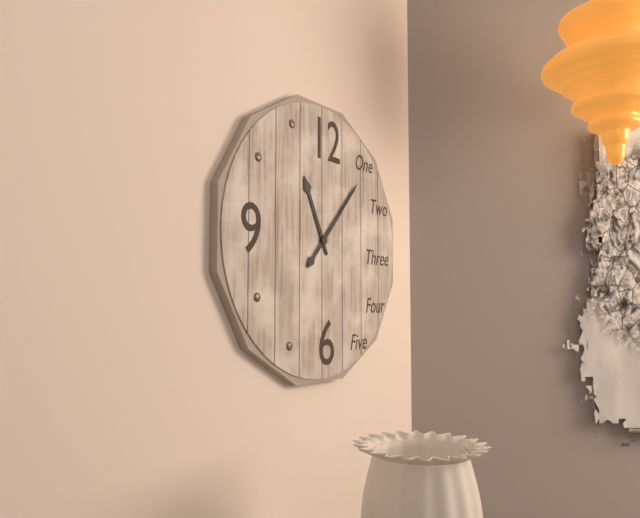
11:07
